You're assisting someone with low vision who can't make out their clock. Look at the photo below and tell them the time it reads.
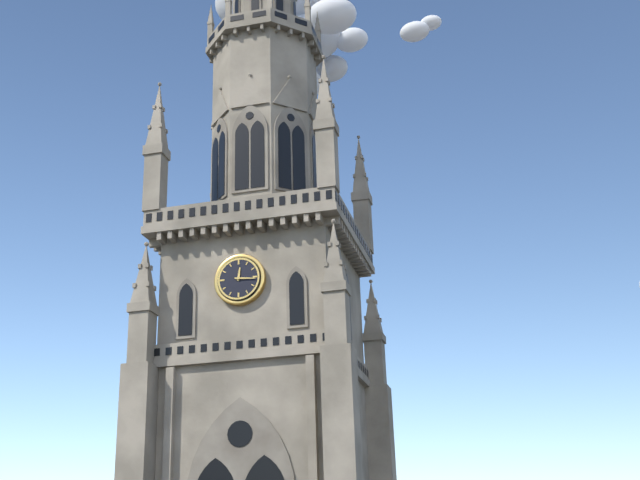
12:16
